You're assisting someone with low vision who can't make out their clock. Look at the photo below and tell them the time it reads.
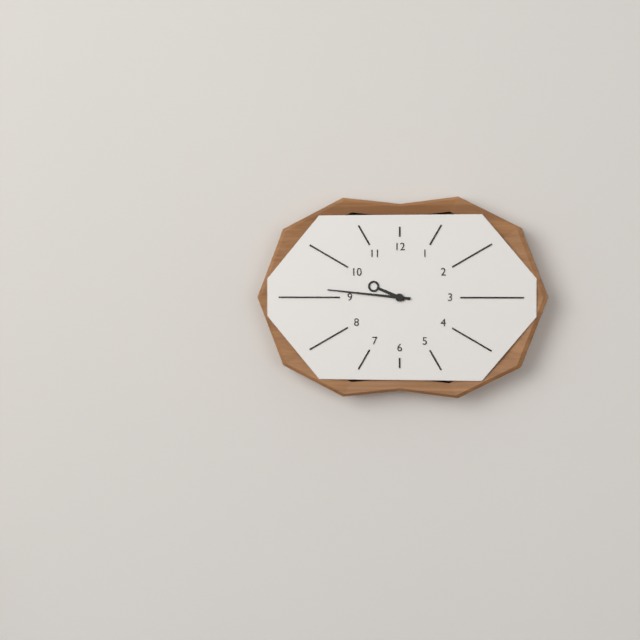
9:46
